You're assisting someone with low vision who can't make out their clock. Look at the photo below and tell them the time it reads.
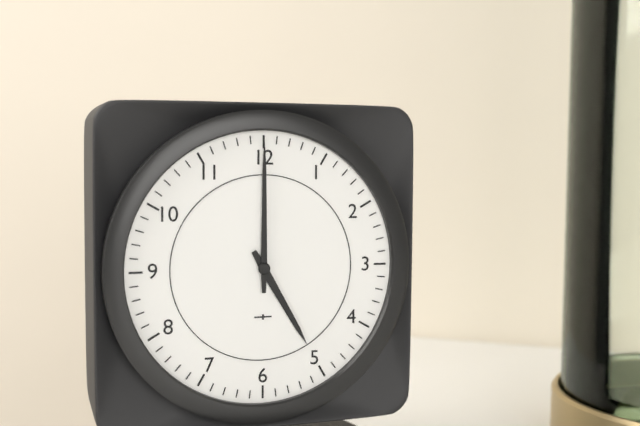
5:00
